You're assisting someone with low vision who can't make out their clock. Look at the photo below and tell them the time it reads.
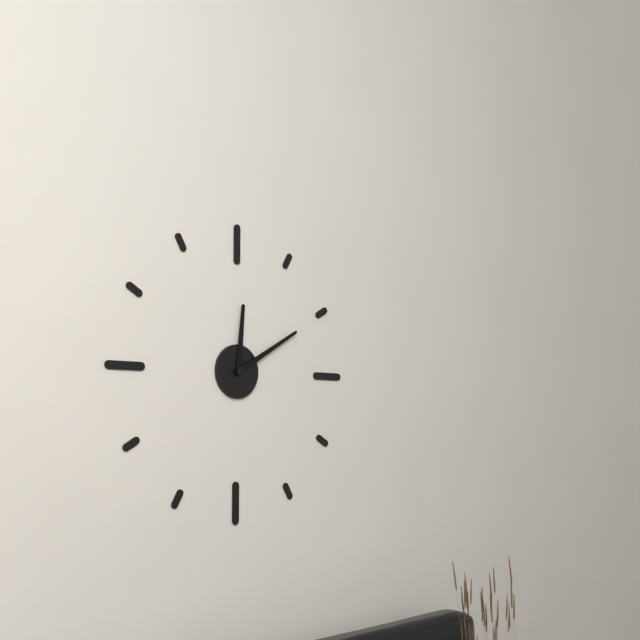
12:10
